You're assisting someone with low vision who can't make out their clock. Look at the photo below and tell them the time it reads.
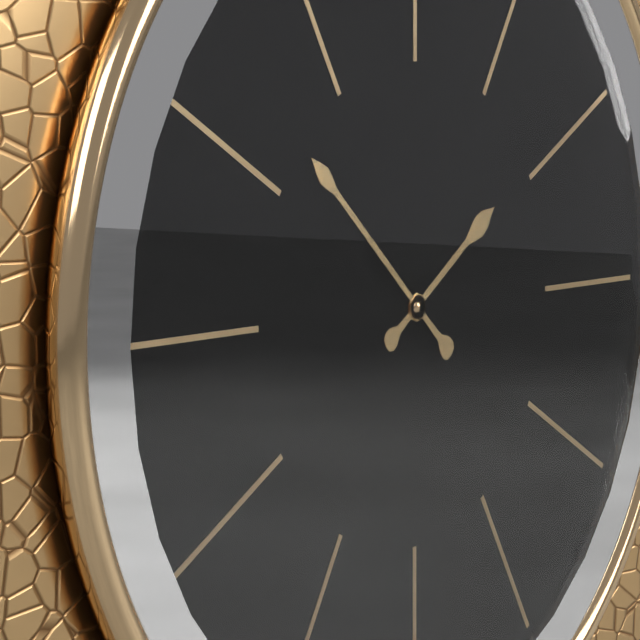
1:52
